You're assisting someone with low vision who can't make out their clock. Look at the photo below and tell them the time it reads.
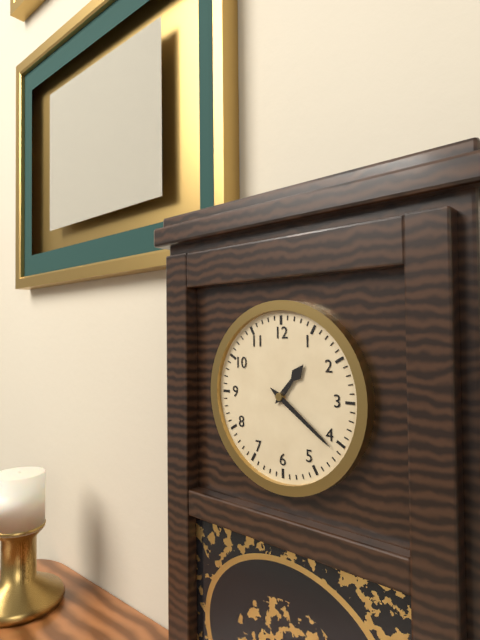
1:21
